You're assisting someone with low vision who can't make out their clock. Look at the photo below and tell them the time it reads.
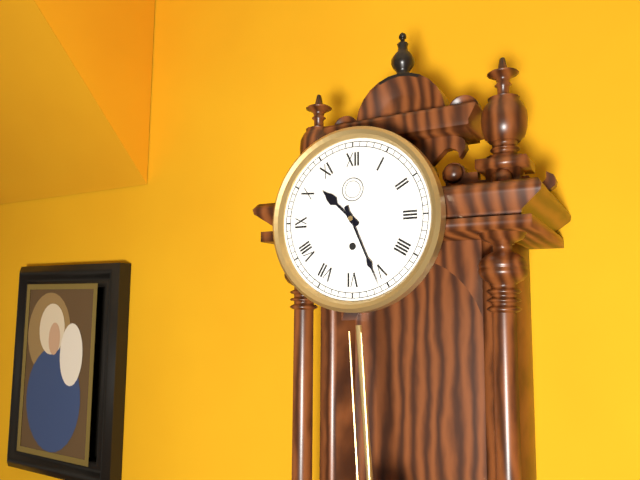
10:26
